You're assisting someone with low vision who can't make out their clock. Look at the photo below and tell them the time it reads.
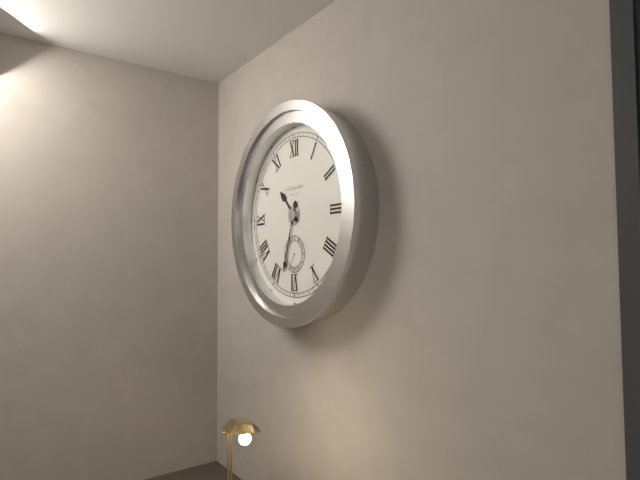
10:33
